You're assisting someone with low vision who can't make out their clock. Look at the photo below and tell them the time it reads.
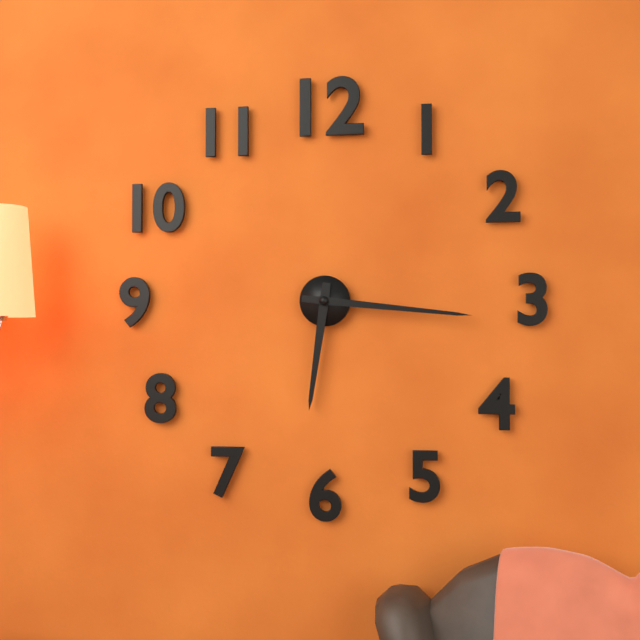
6:16
